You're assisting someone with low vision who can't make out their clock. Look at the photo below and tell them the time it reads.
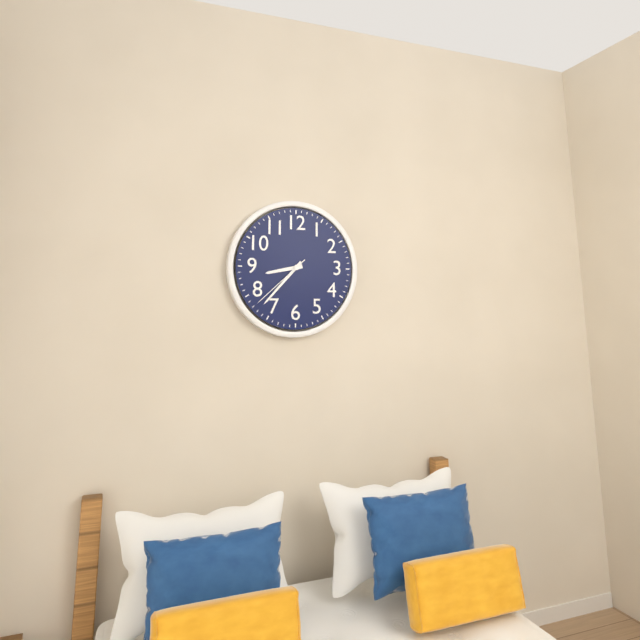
8:37:38
